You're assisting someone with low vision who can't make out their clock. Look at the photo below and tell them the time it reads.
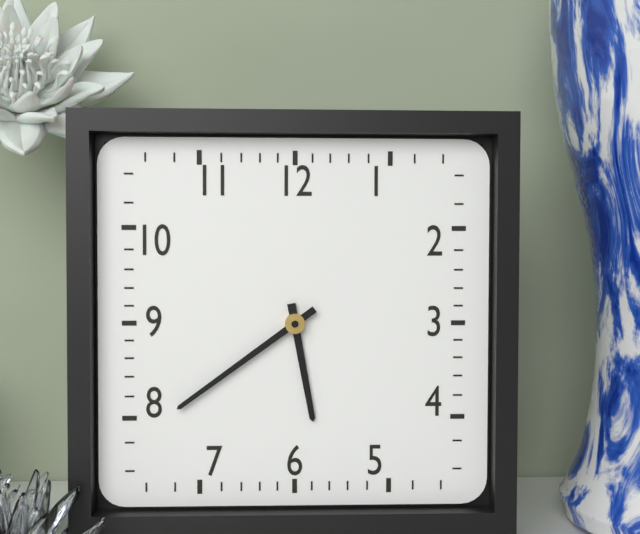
5:39
